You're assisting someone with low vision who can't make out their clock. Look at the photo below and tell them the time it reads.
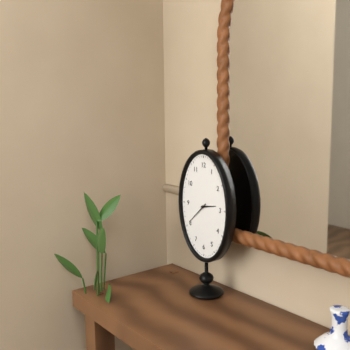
2:38
